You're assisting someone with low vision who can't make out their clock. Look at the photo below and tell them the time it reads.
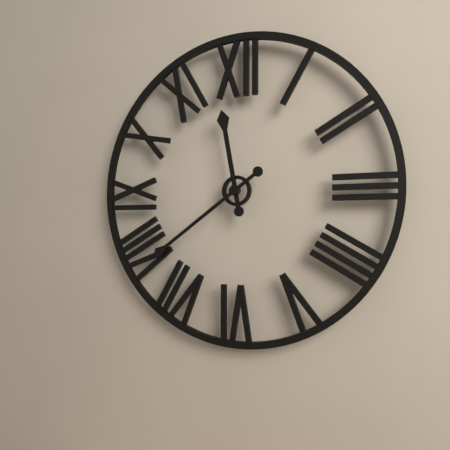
11:39
